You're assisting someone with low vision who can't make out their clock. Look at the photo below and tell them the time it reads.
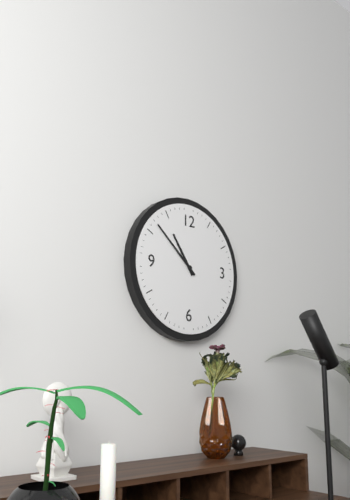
10:52
